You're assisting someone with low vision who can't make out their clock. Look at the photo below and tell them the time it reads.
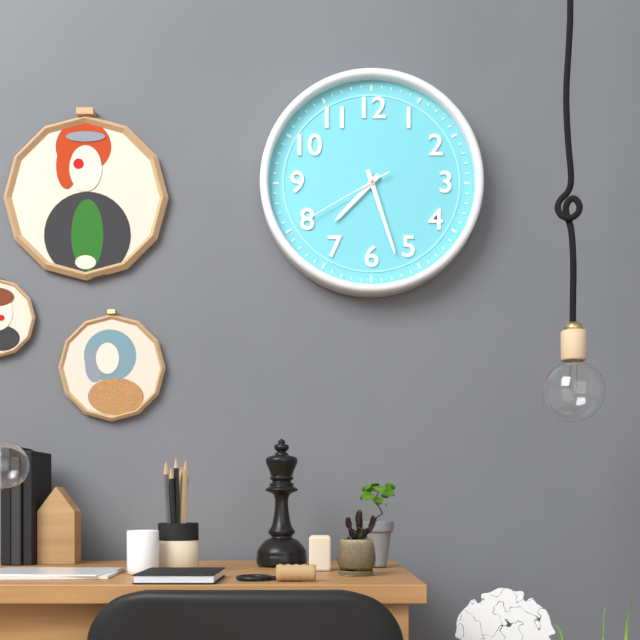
7:27:40
